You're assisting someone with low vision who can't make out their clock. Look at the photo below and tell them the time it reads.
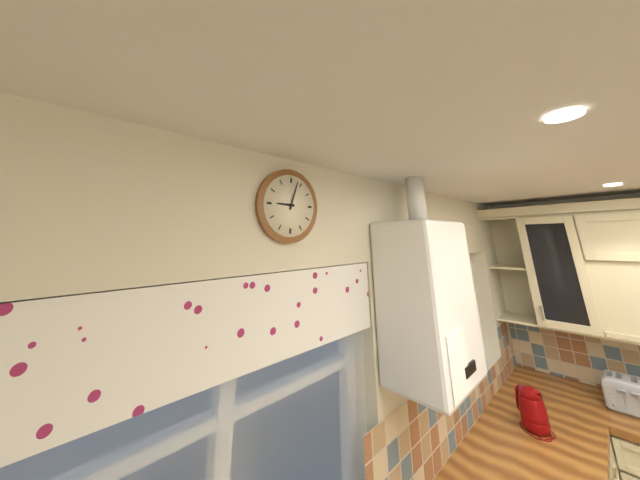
9:03
